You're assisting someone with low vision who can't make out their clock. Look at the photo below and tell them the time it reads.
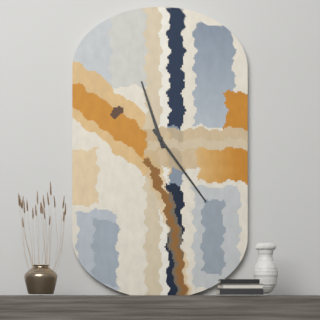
11:24
